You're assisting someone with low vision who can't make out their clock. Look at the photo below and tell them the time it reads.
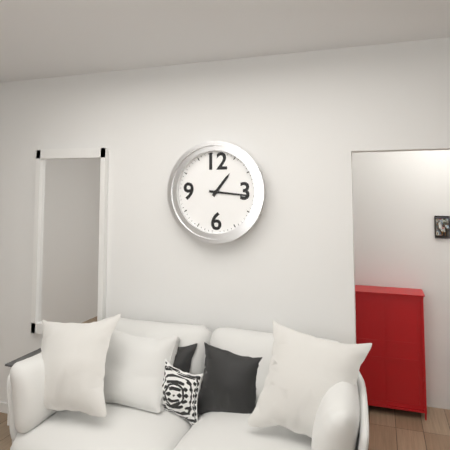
1:16
